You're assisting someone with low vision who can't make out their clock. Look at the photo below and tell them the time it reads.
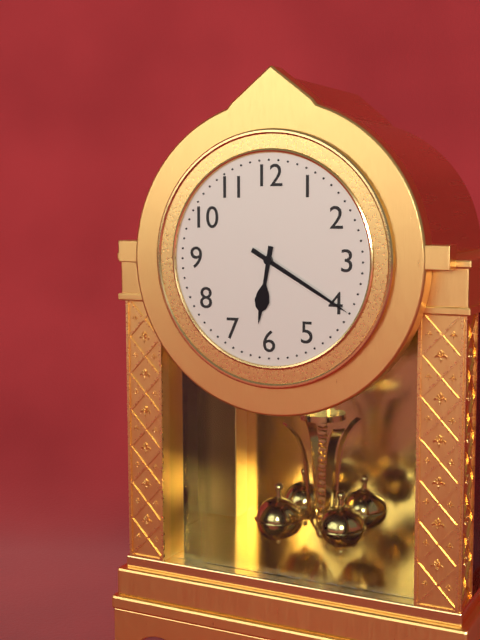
6:20
